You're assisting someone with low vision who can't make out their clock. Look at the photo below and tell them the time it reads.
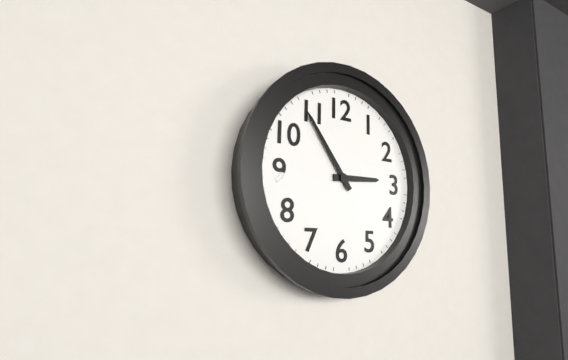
2:54
